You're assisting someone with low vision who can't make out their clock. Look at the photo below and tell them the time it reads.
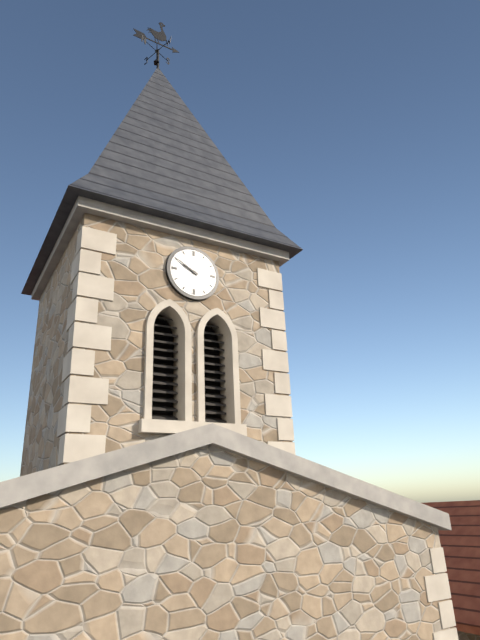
9:50
